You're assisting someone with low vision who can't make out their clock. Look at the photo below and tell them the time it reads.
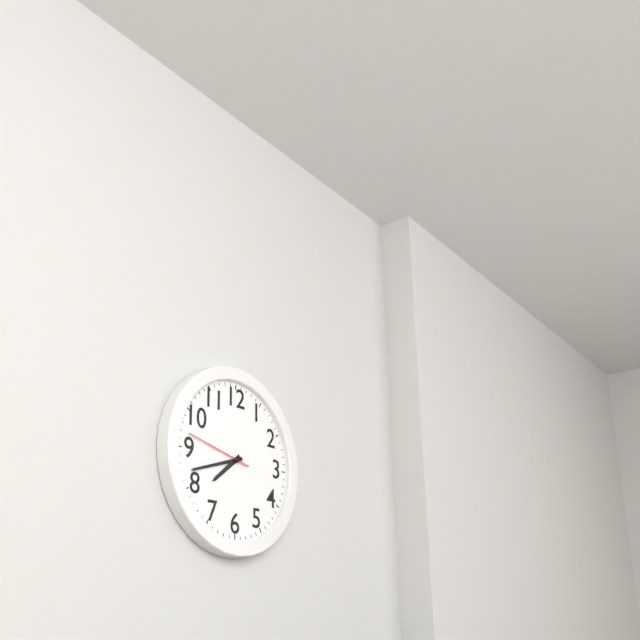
7:42:47
